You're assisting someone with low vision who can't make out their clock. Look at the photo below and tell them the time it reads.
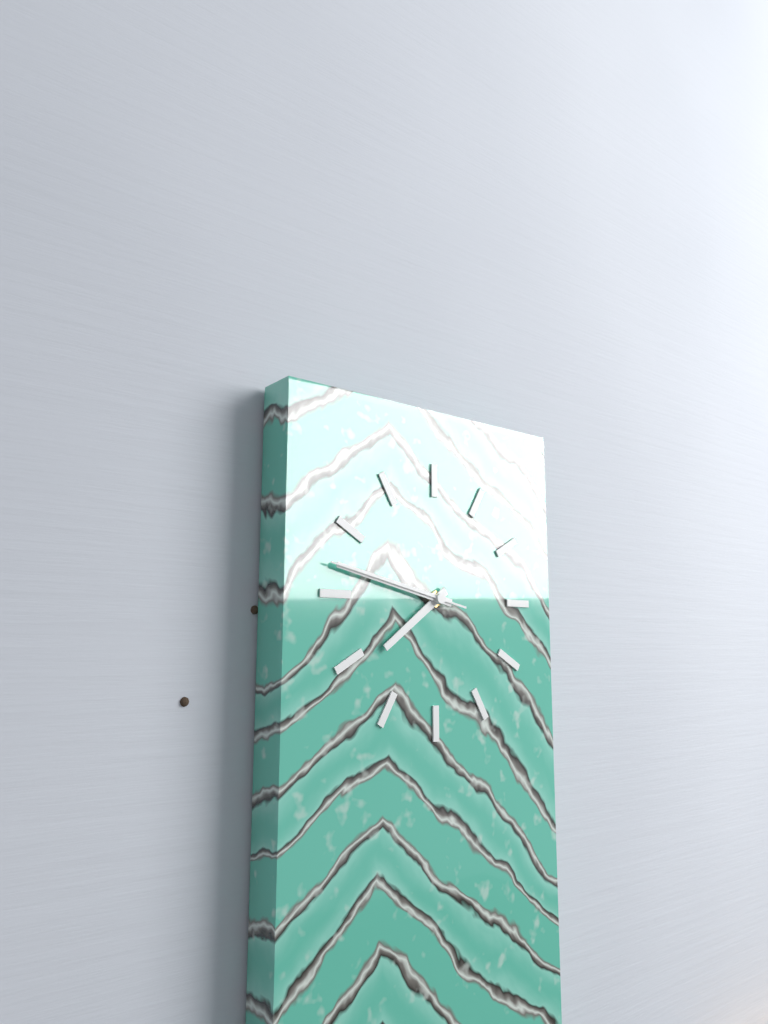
7:47:47
